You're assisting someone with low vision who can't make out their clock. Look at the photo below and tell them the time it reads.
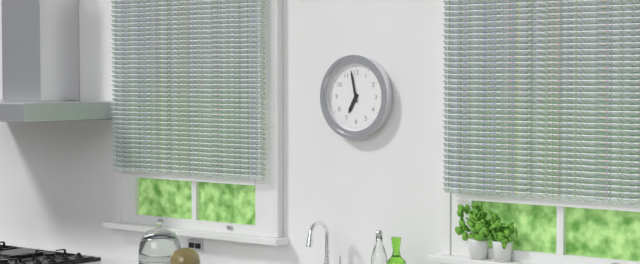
6:58
